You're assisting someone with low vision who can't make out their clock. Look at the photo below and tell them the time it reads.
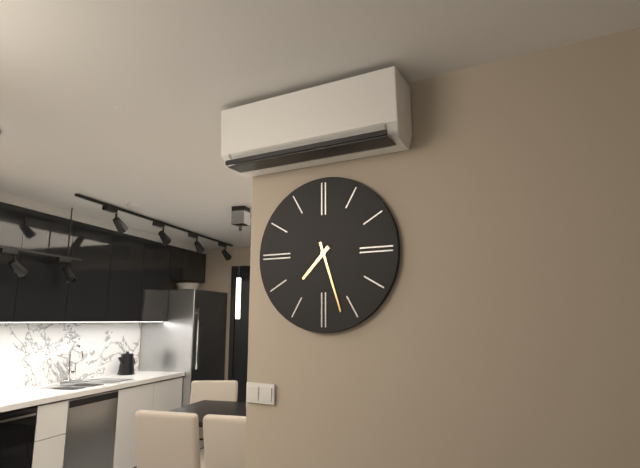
7:27
